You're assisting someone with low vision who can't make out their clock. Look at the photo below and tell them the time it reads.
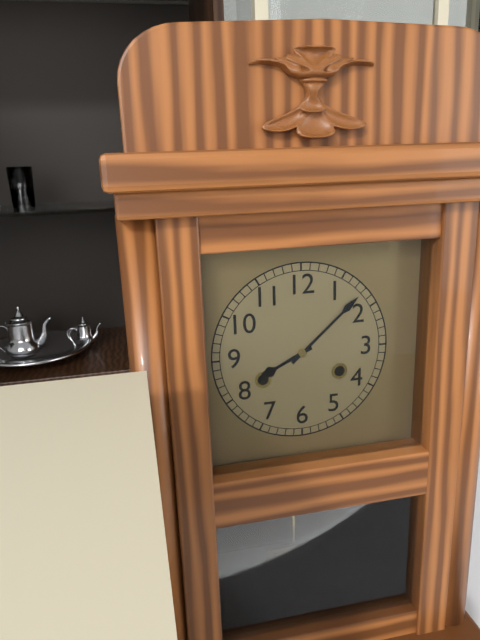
8:08
